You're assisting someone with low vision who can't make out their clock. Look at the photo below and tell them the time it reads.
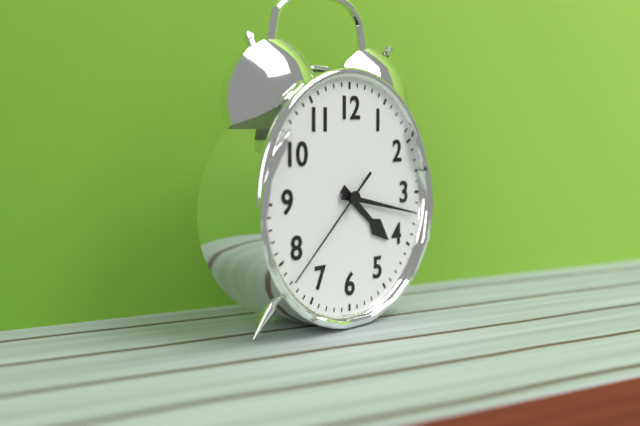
4:17:38
